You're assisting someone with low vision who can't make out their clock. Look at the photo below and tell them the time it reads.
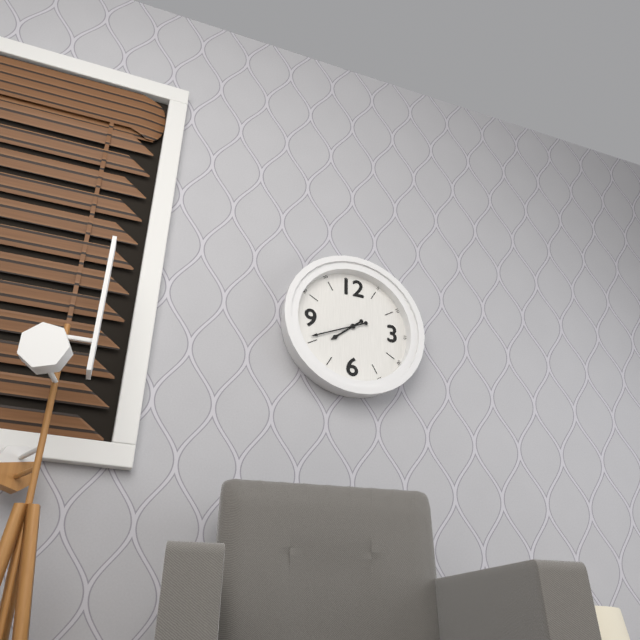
7:41
